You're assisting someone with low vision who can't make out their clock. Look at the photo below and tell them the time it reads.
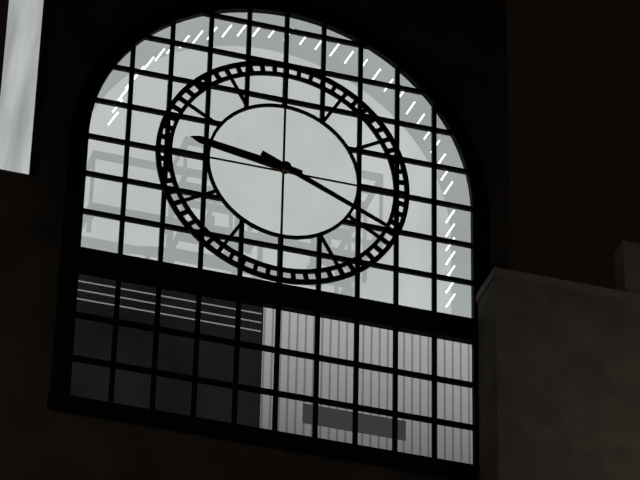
9:19
